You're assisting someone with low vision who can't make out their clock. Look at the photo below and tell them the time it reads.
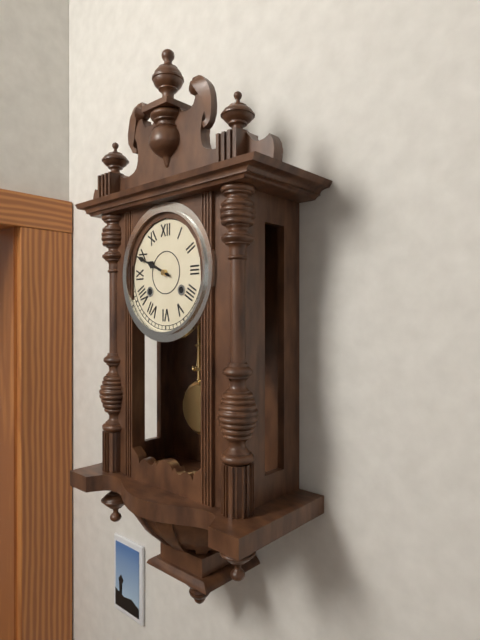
9:49
